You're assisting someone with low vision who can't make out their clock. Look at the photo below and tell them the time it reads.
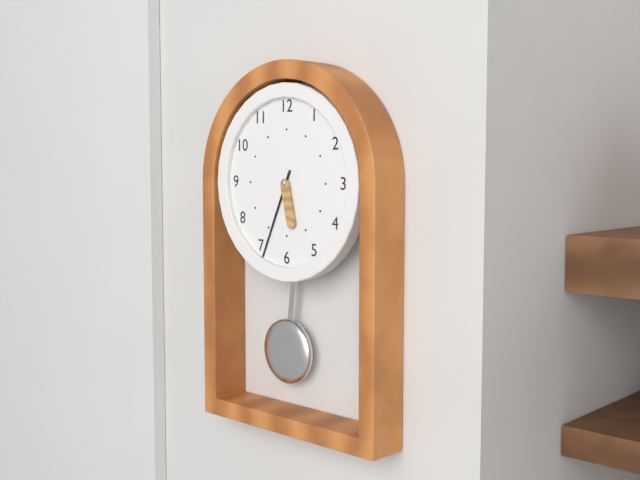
5:34
